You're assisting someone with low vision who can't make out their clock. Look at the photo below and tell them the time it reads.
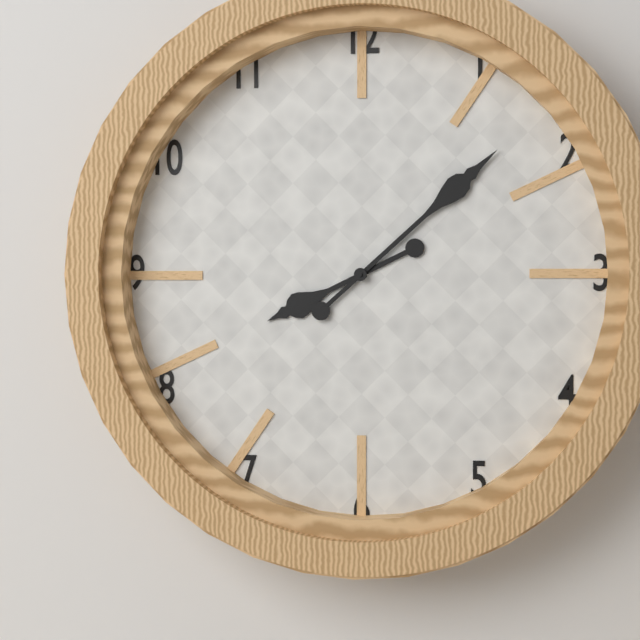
8:08
